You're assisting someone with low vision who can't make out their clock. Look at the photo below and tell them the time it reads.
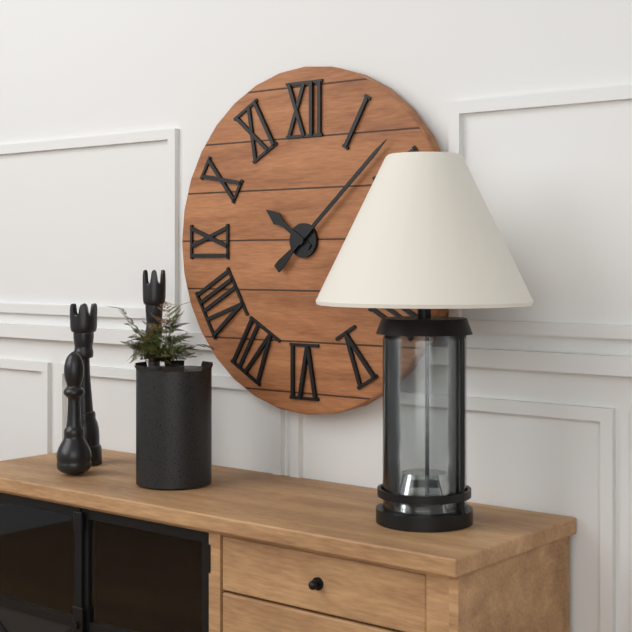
10:08
